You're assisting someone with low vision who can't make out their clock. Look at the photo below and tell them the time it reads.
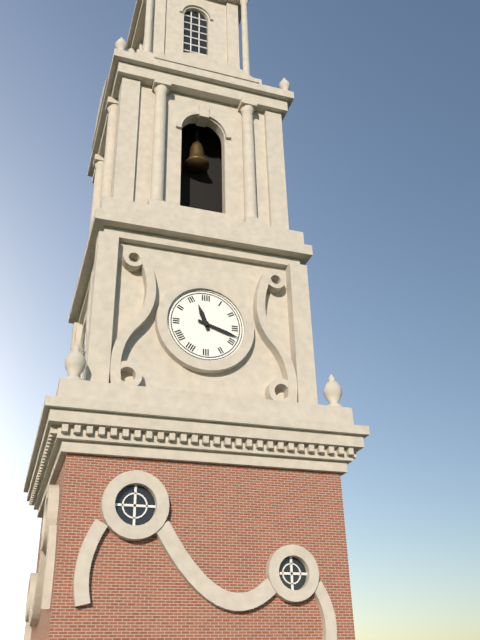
11:18
